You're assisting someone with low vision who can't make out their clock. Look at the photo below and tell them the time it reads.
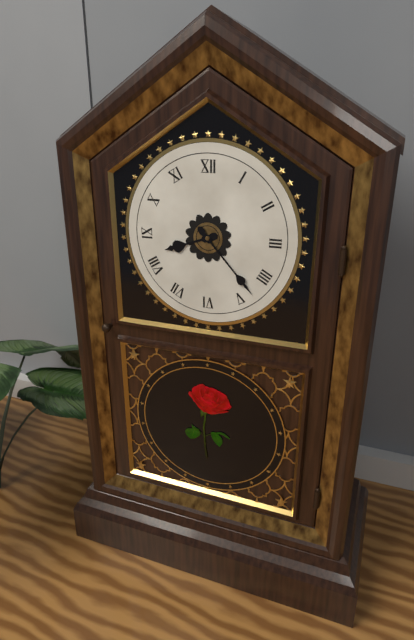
8:23
